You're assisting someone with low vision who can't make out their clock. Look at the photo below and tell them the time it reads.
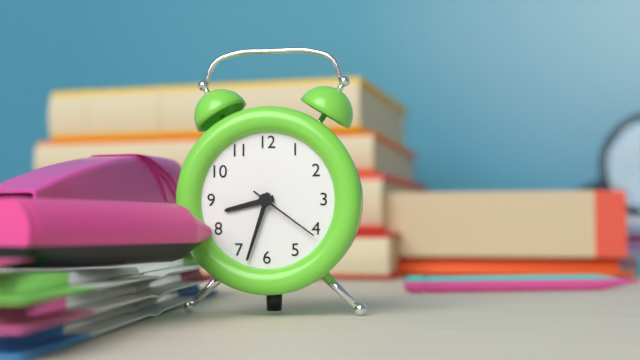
8:33:21
